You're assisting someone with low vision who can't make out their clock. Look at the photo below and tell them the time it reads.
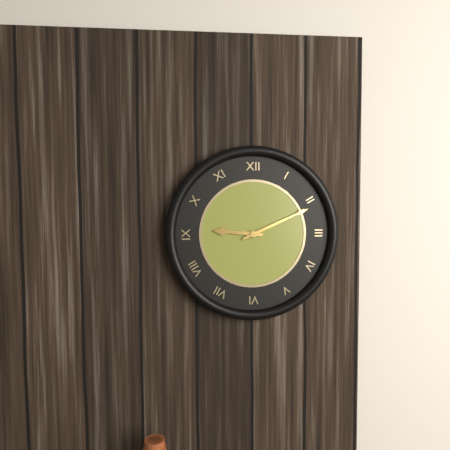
9:11
